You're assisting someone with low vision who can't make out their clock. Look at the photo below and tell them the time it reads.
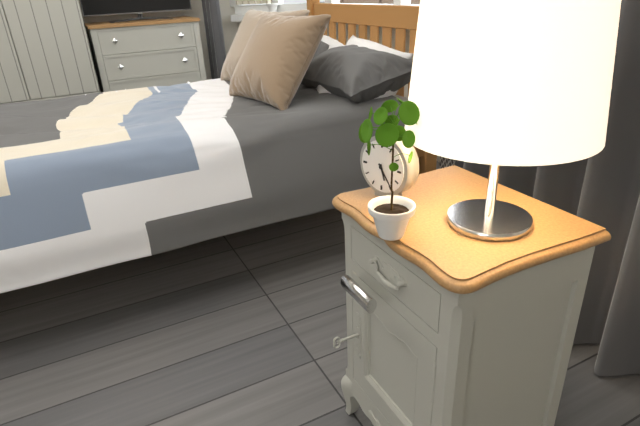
5:24
